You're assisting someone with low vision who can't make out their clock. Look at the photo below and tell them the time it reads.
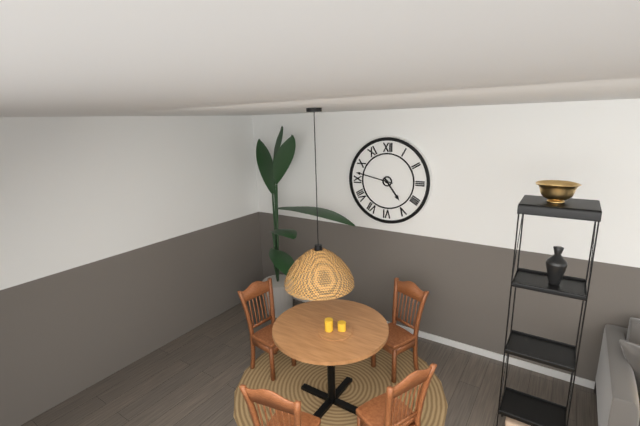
4:47
